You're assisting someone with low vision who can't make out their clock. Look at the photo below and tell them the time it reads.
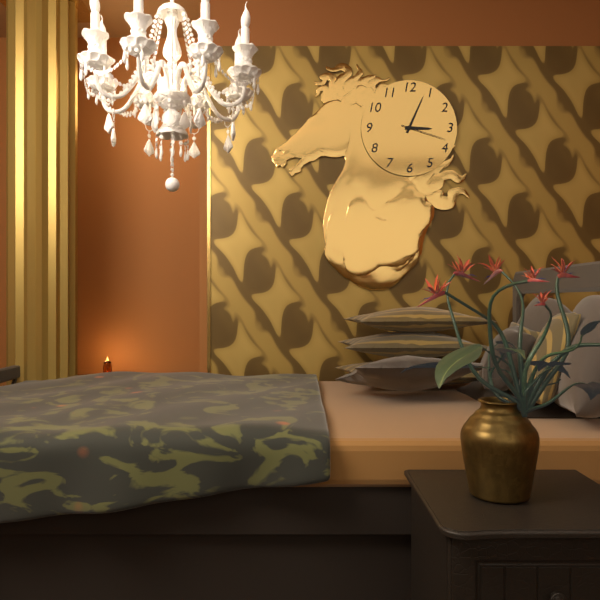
3:04
